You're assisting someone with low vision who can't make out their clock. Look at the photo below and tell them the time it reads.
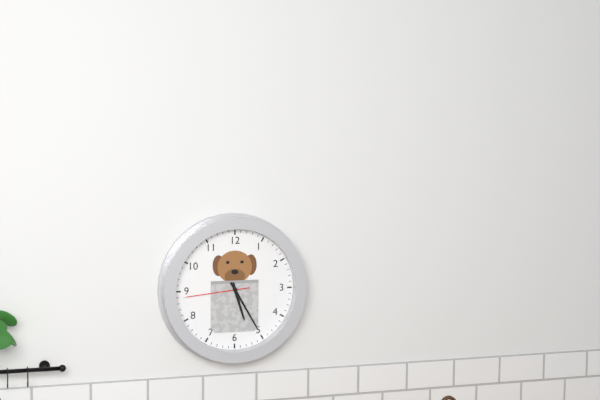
5:25:44
